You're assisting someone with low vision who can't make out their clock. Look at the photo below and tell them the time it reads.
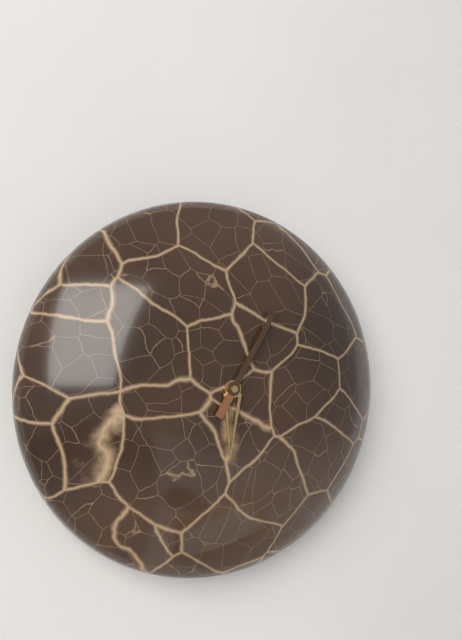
6:05
